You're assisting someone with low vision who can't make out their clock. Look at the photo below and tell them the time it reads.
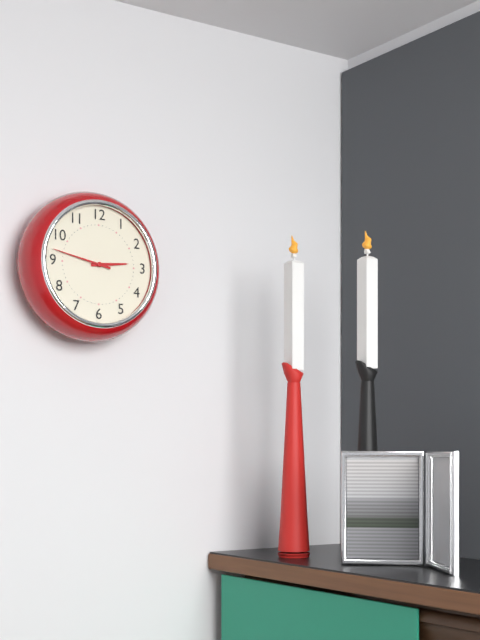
2:47
